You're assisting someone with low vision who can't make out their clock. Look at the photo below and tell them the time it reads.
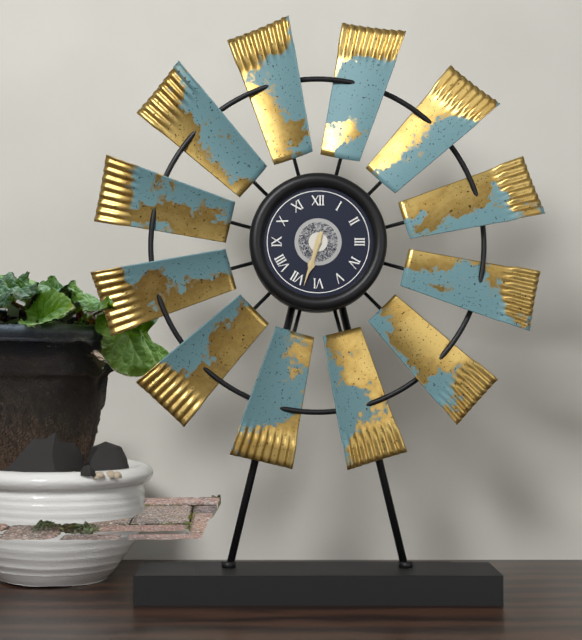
6:33
